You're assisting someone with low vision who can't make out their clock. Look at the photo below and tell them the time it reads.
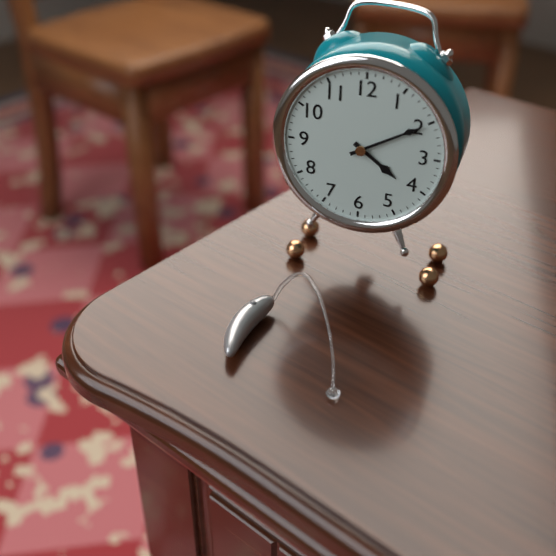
4:10
